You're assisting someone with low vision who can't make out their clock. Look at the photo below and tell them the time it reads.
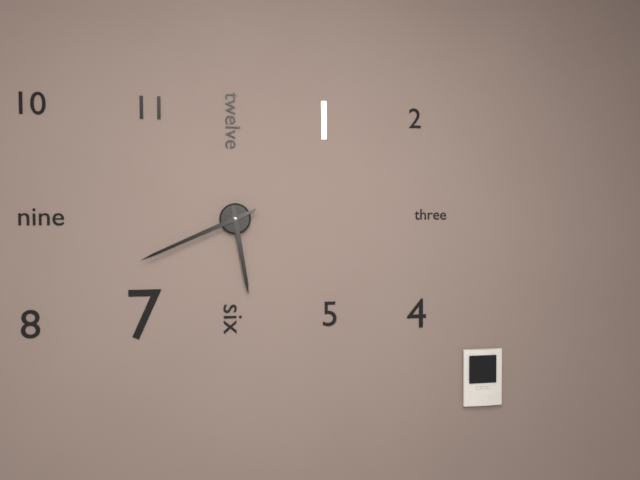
5:41
